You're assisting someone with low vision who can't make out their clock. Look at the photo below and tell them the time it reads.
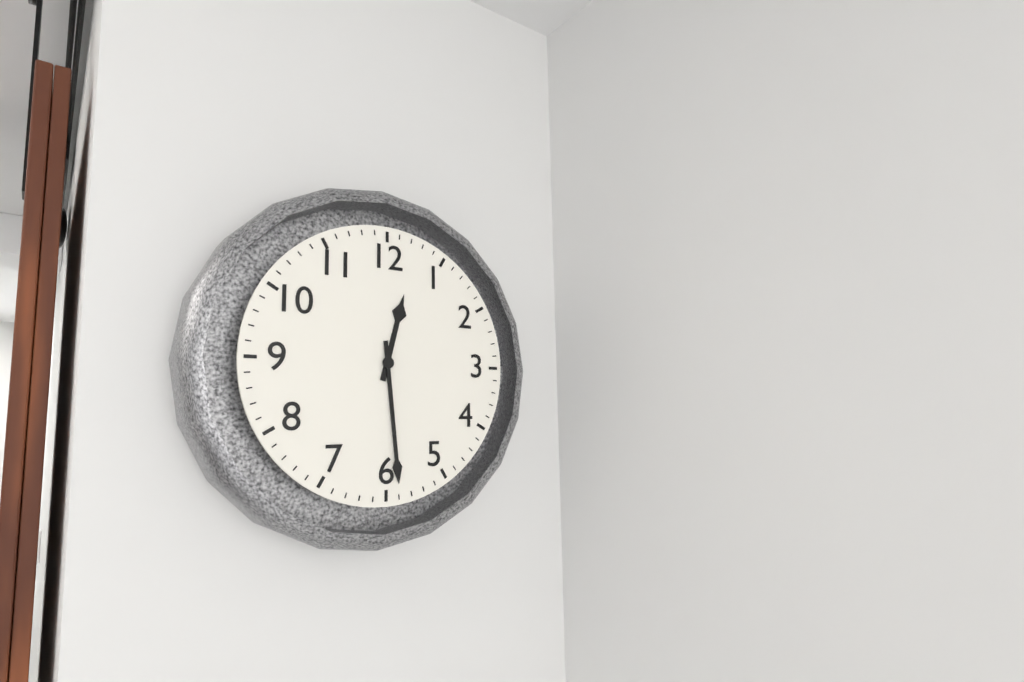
12:29
